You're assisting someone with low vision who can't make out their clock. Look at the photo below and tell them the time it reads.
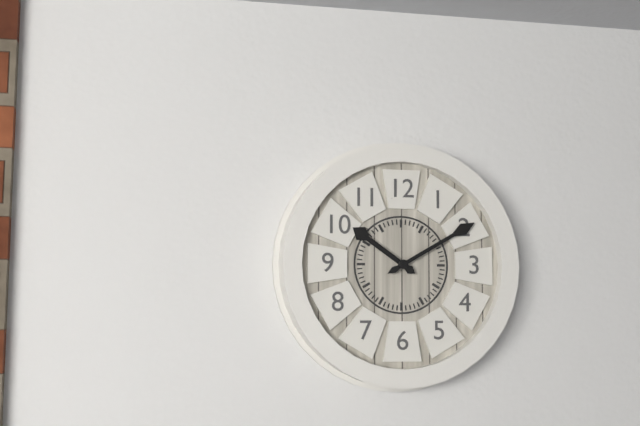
10:10
